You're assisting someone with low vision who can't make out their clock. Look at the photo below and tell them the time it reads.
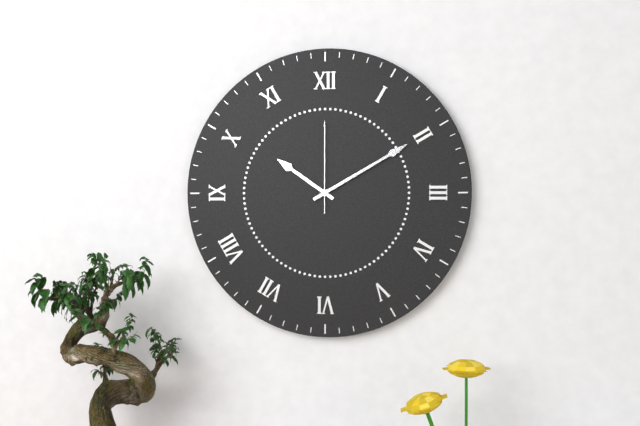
10:10:00
